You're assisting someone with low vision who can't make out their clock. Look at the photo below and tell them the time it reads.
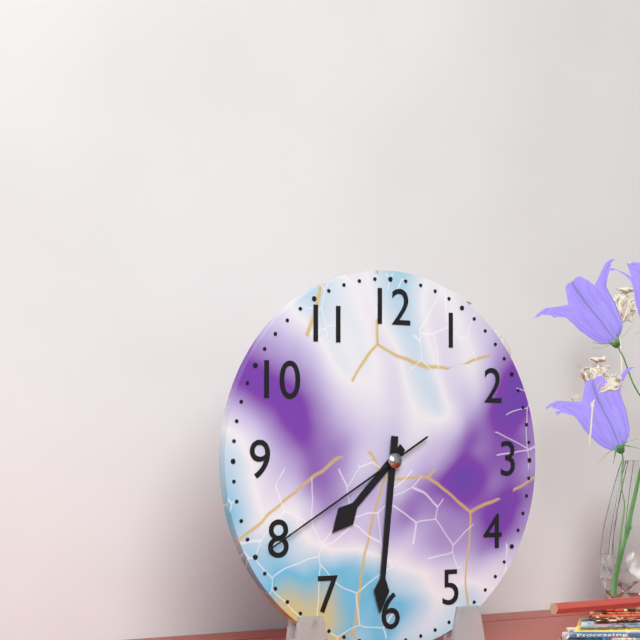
7:31:40
